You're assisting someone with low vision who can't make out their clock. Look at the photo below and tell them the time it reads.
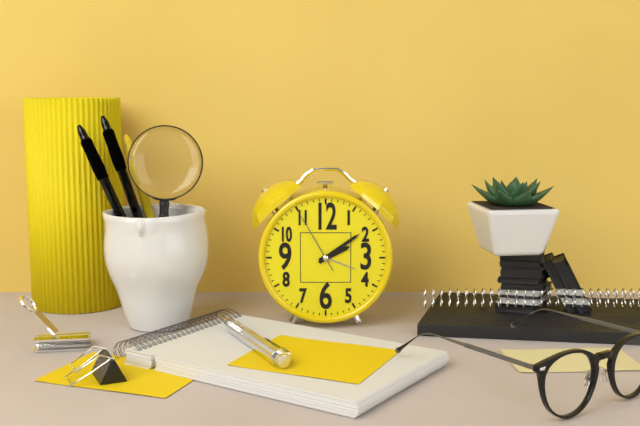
2:09:55
